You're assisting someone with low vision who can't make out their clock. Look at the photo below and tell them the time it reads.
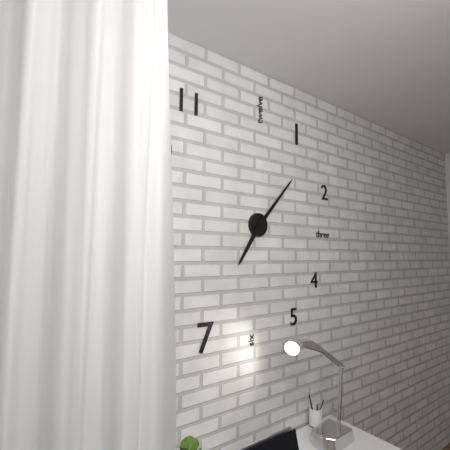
7:07
